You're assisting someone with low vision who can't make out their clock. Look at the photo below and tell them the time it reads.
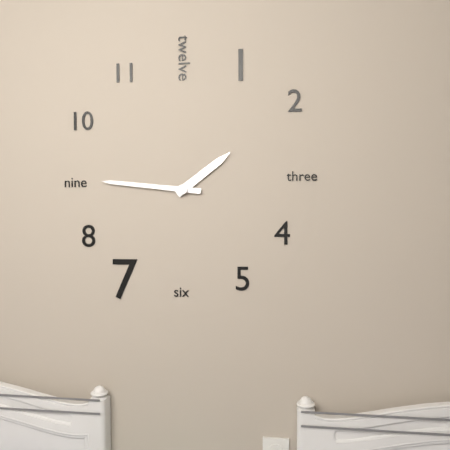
1:46
